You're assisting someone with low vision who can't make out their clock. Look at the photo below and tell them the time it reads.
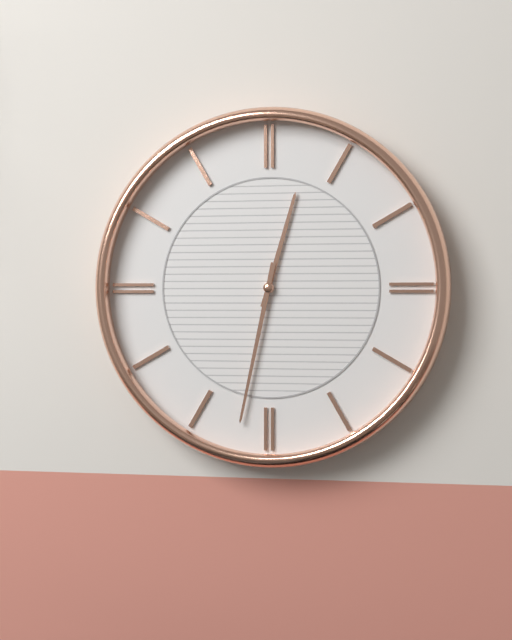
12:32
